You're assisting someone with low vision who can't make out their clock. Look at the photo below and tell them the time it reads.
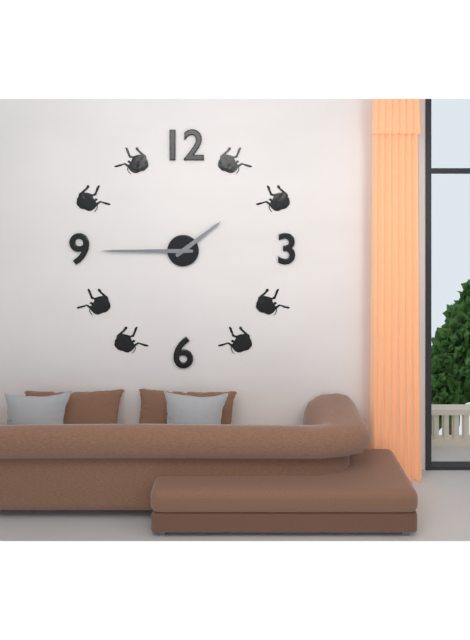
1:45
